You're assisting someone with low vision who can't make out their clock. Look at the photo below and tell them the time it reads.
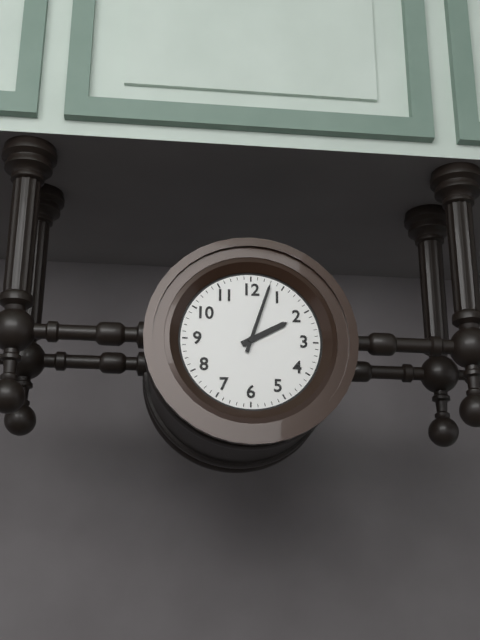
2:03
